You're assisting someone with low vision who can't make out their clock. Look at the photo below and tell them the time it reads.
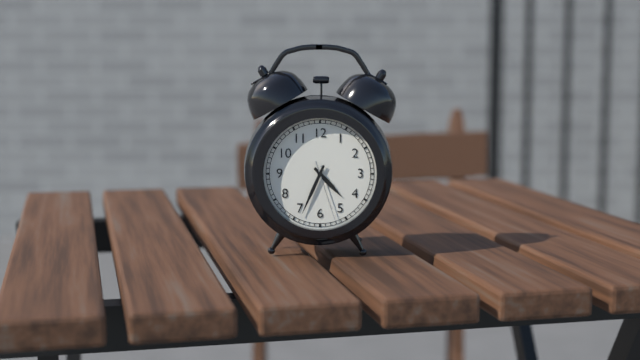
4:34:27
